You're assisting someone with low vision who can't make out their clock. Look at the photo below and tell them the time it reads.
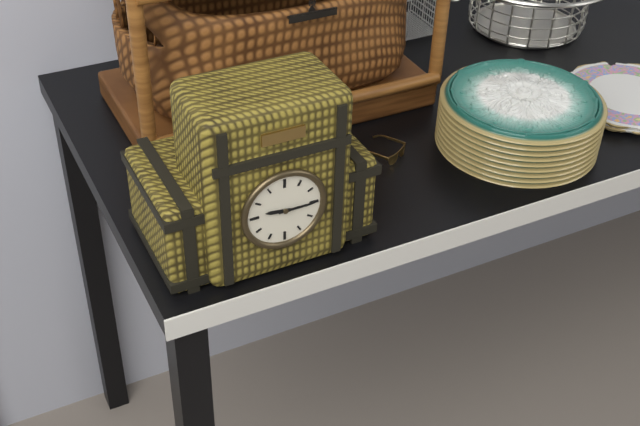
9:15
